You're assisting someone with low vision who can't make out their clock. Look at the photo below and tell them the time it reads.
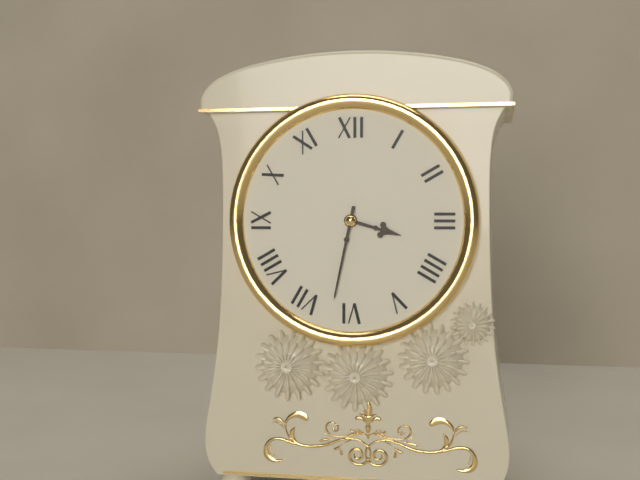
3:32
